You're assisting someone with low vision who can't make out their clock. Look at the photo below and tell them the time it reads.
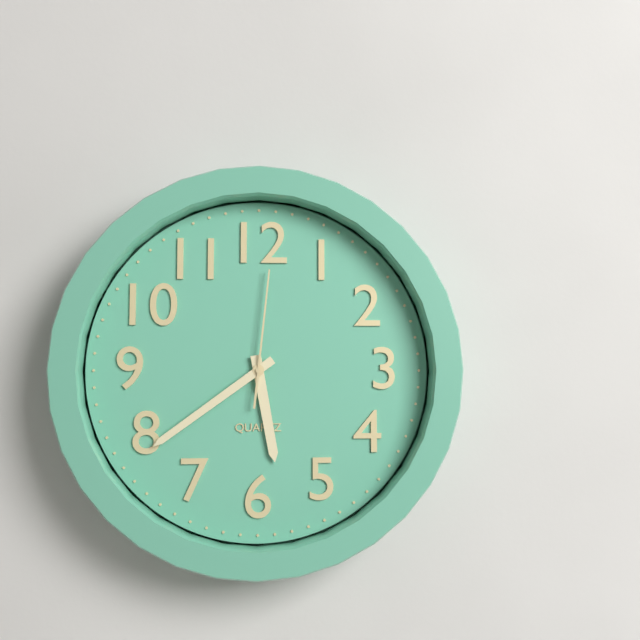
5:39:01
